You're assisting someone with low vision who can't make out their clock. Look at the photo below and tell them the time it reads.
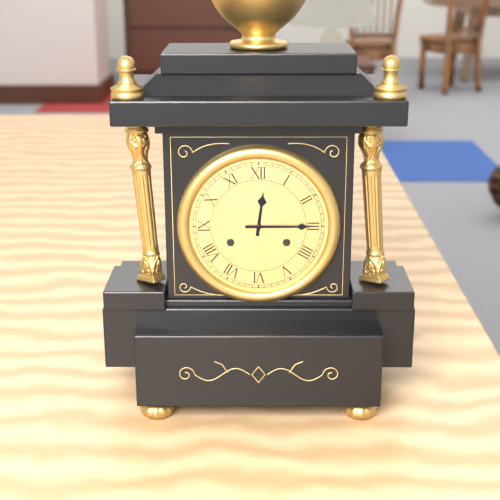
12:15
